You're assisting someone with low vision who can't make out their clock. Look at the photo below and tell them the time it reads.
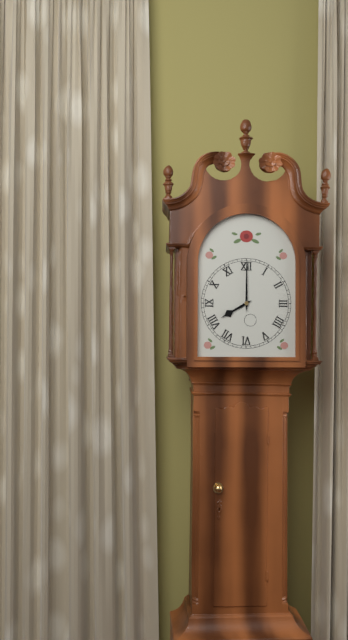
8:00
